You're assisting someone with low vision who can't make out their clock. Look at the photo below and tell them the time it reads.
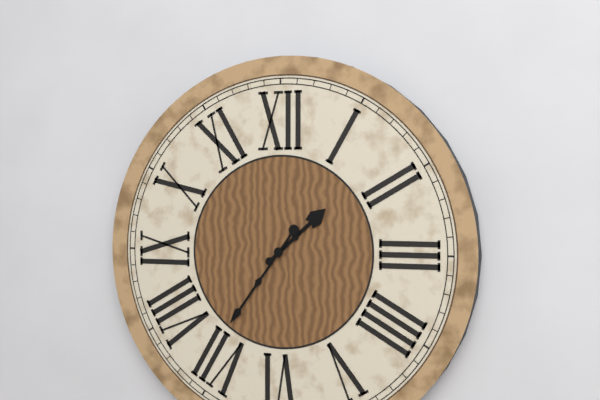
1:36
